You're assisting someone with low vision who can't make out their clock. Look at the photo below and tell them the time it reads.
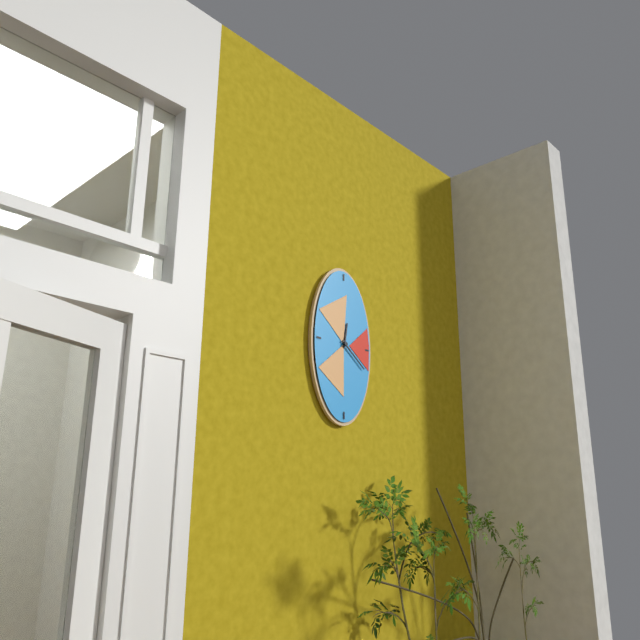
12:21
